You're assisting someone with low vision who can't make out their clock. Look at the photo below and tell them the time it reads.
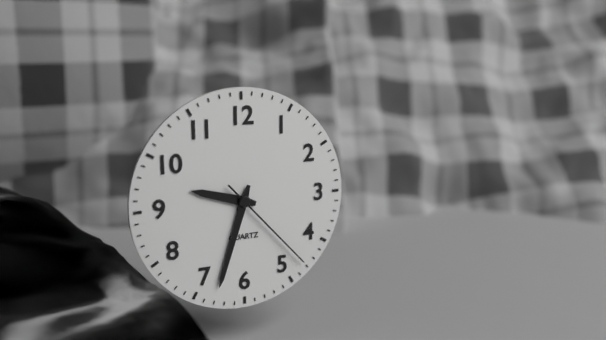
9:33:23
